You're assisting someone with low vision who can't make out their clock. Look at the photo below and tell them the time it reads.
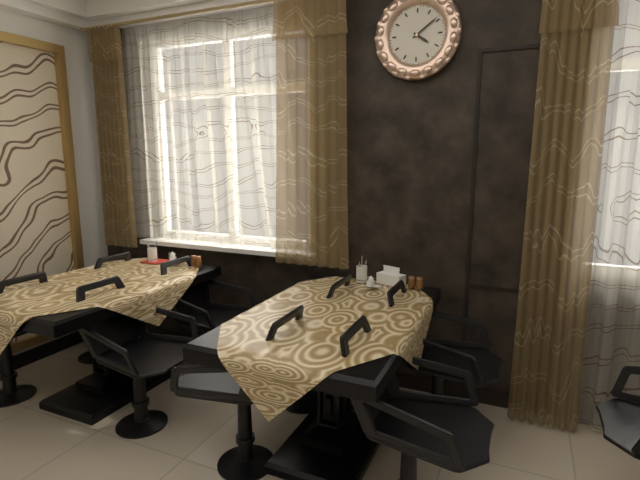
4:09
